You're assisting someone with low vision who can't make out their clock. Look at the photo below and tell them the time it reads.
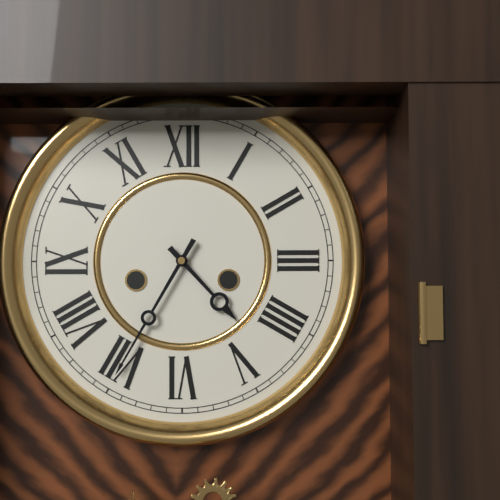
4:35
